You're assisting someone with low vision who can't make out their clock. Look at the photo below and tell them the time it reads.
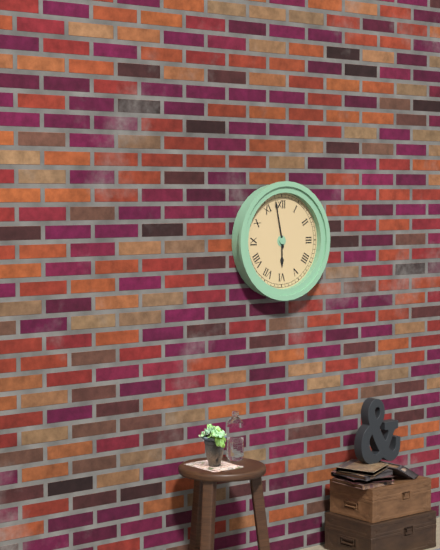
5:58
